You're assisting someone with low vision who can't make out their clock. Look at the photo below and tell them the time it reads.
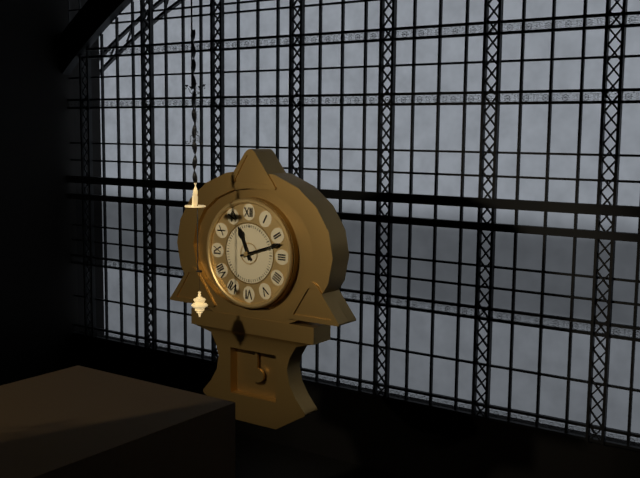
11:12
